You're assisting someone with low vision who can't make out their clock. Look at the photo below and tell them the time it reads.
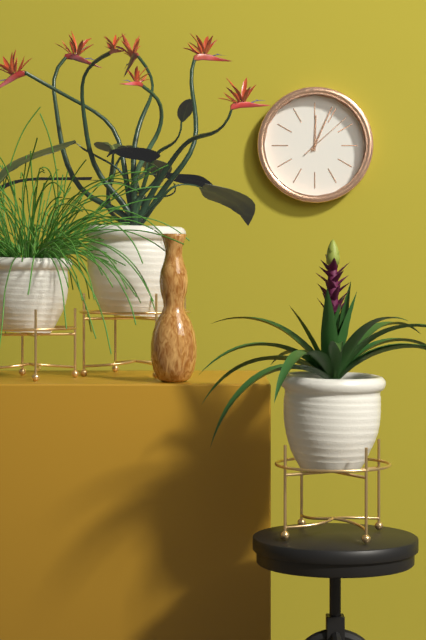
12:04:08
